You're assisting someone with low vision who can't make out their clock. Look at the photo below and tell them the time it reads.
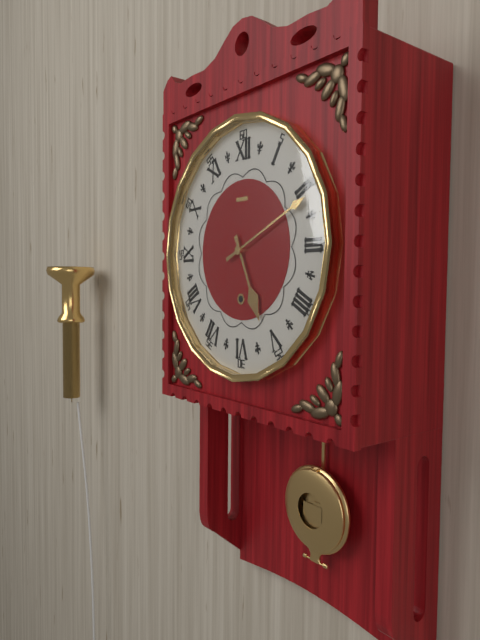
5:11
